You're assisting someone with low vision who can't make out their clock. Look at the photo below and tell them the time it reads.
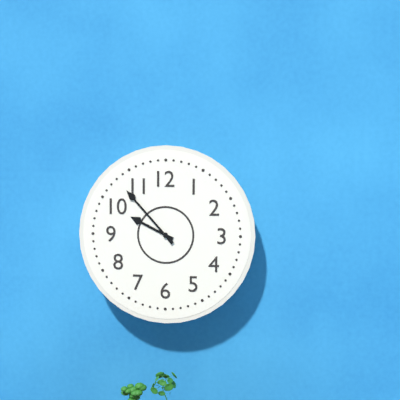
9:53
